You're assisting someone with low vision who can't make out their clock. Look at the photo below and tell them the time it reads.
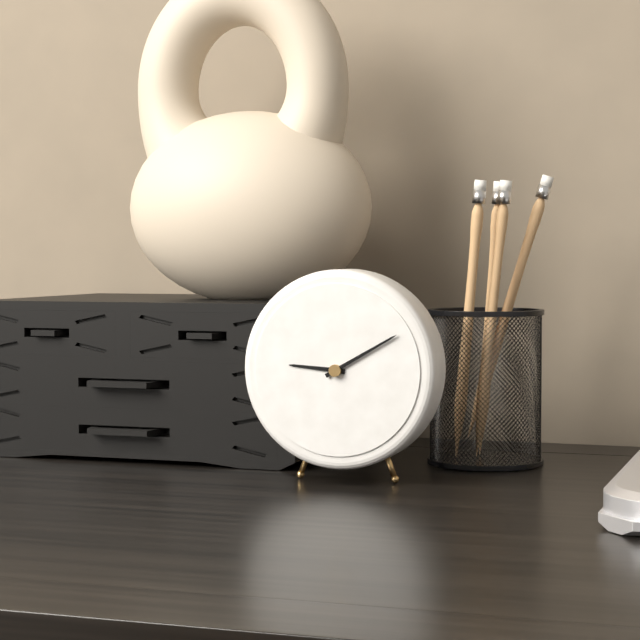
9:10
